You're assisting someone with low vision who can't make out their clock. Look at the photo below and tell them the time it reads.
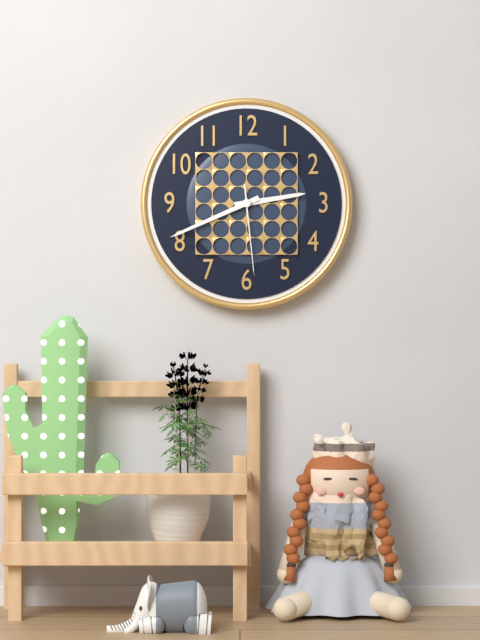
2:41:29
